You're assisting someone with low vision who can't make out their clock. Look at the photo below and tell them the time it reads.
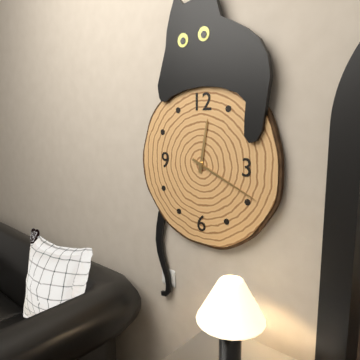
12:19
